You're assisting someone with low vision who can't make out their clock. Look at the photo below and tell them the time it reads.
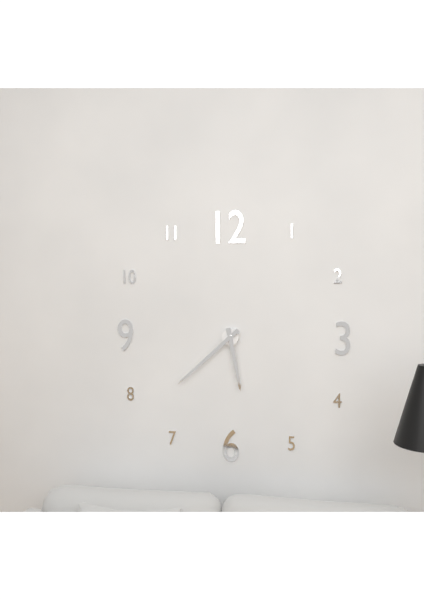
5:38
